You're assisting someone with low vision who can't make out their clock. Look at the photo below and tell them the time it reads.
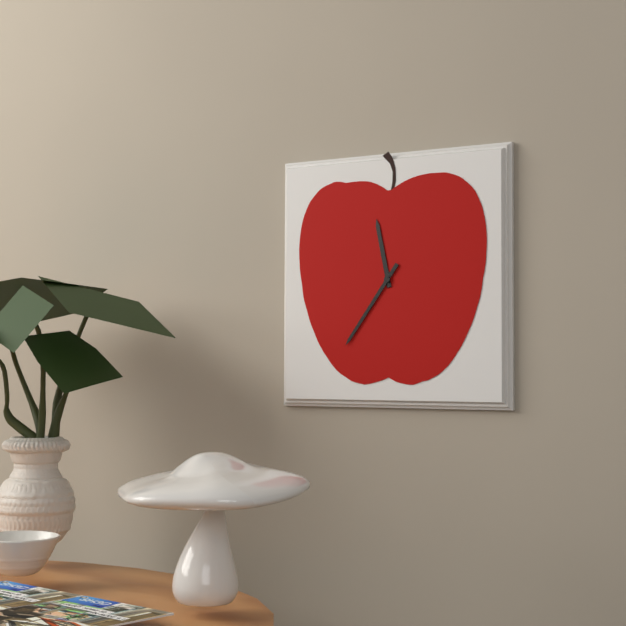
11:36
